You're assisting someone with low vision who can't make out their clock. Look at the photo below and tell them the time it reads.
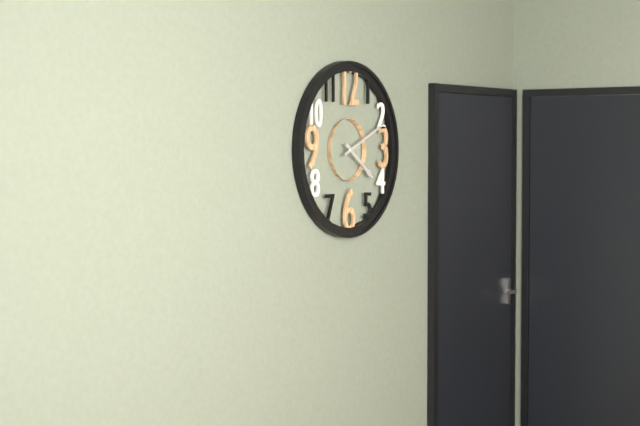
4:11
